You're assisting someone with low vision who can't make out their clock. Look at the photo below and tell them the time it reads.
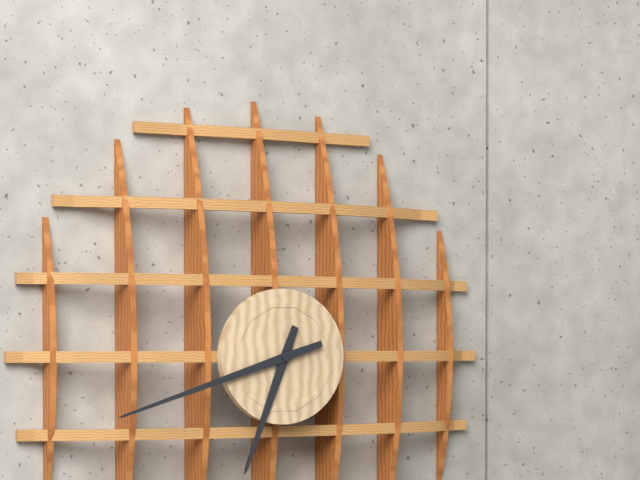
6:42
